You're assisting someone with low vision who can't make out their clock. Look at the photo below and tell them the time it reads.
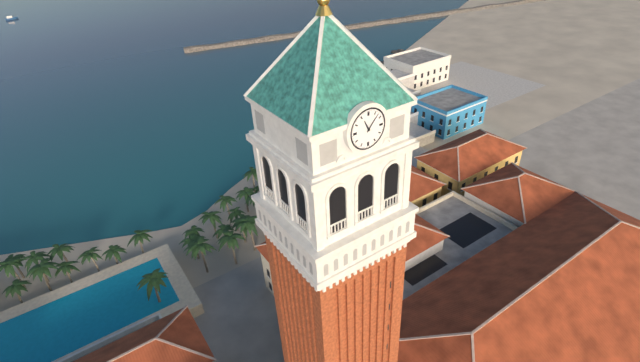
11:07
